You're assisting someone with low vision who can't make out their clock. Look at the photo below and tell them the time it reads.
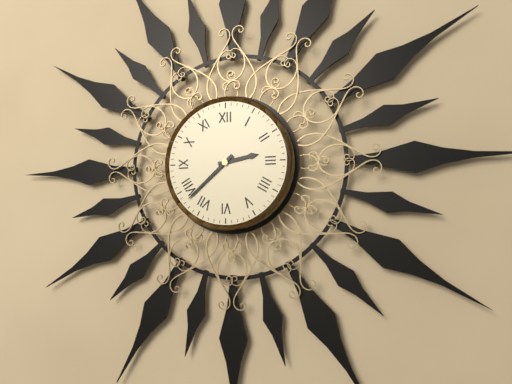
2:38
